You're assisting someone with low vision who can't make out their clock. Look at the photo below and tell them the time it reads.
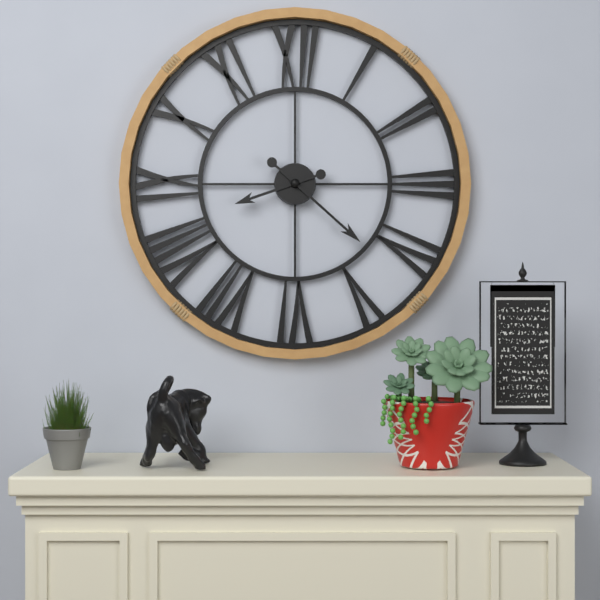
8:22
